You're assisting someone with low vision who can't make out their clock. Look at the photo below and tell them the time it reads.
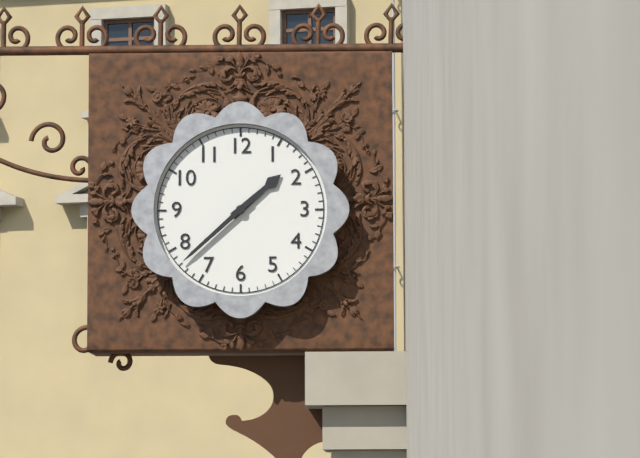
1:38
